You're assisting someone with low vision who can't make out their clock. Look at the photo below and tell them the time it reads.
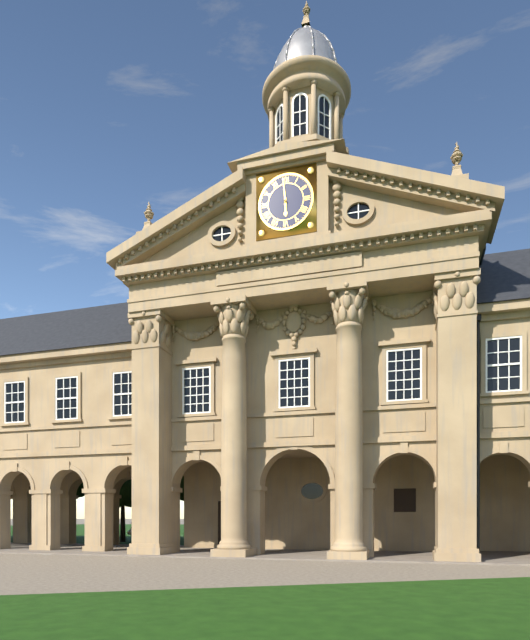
5:59
